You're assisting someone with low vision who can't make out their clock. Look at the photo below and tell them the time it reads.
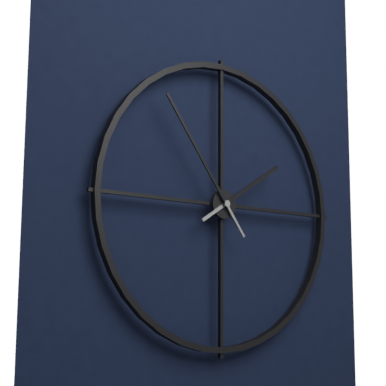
1:54
